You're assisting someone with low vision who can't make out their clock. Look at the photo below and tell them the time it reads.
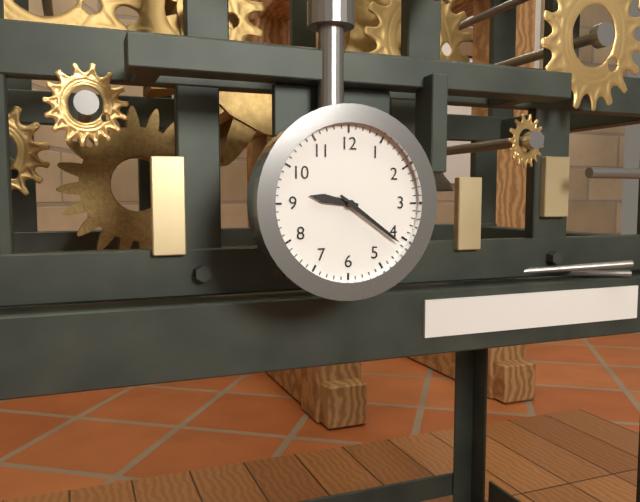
9:21
